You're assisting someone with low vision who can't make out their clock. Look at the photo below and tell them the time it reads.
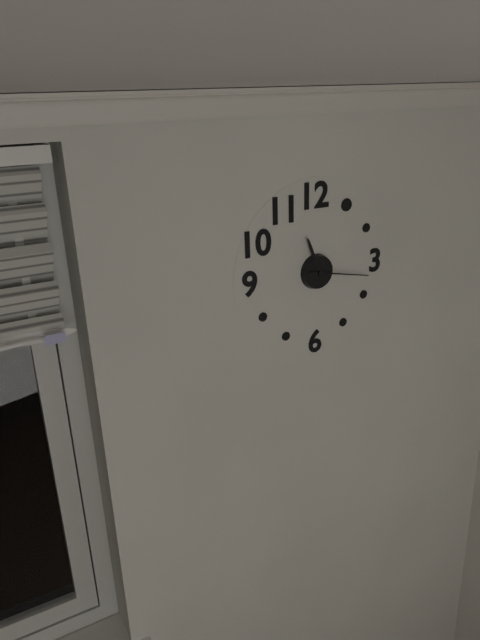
11:17
